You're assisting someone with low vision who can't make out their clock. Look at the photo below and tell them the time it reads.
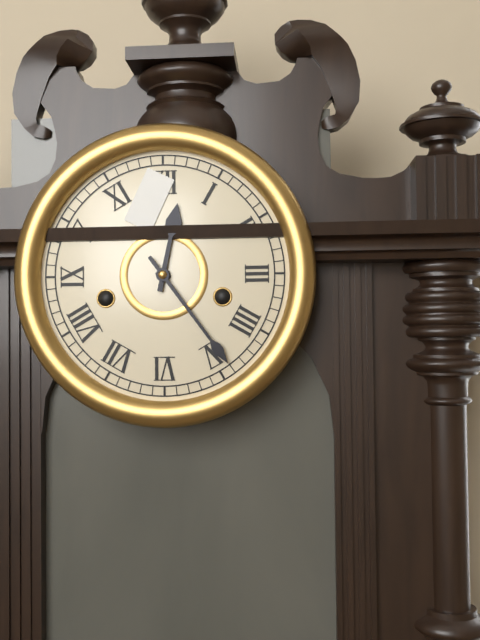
12:24
